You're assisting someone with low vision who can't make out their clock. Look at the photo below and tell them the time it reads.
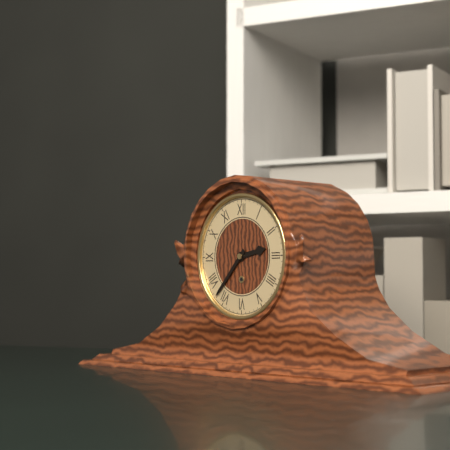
2:37
